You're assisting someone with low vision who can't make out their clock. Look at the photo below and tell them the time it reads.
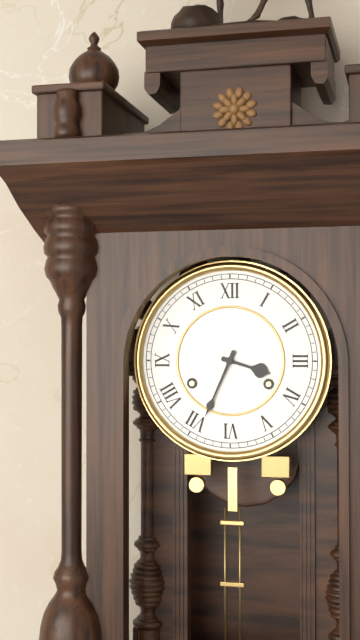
3:34
